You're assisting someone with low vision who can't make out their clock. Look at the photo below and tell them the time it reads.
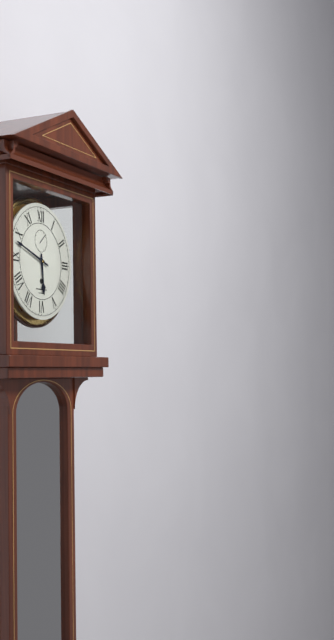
5:48
